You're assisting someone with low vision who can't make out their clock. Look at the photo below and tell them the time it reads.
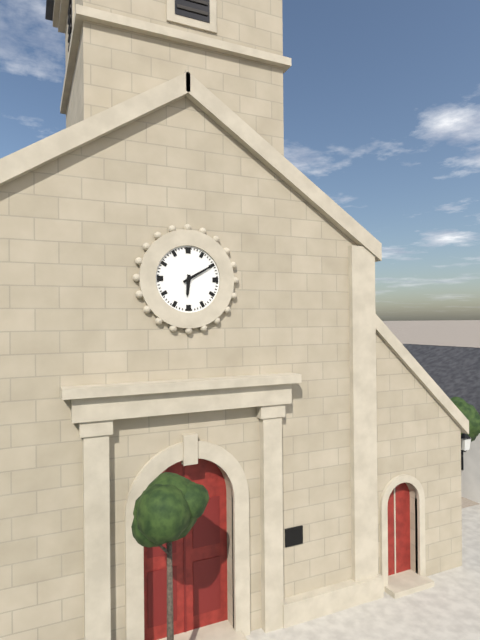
6:10
